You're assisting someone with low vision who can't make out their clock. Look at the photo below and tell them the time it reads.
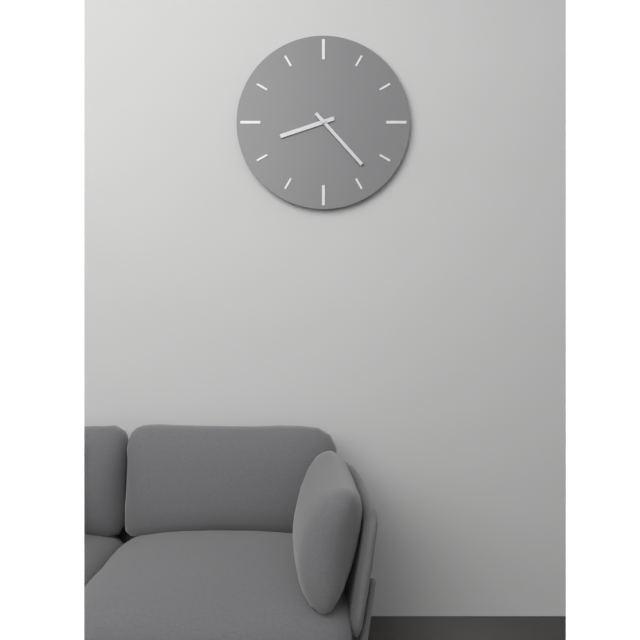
8:23
